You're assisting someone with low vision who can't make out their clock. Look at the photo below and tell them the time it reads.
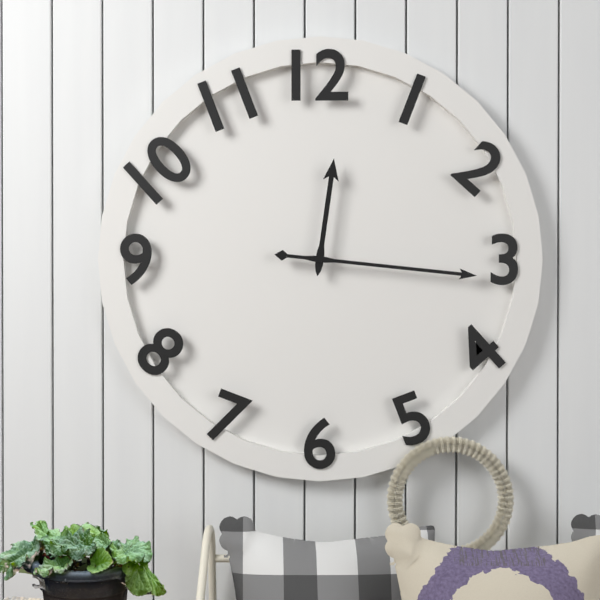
12:16
